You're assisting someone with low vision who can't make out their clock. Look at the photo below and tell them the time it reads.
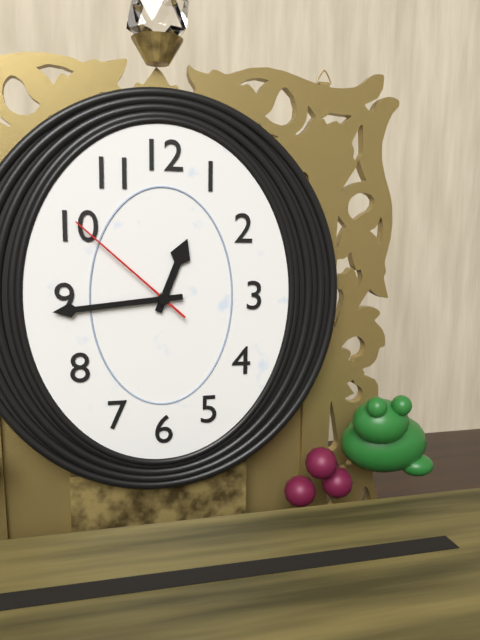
12:44:52
